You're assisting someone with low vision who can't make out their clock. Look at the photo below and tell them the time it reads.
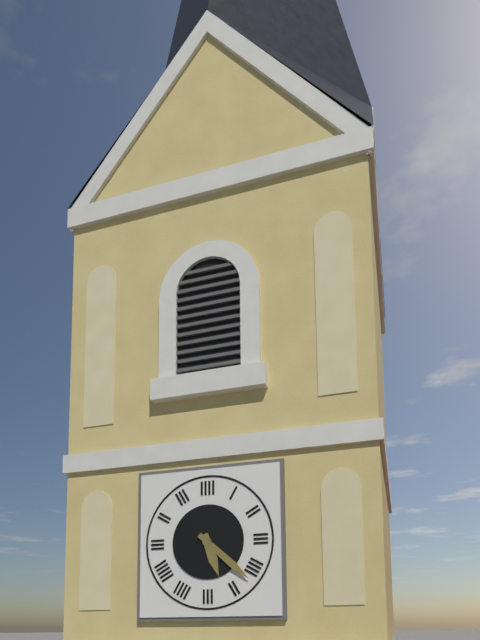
5:22
